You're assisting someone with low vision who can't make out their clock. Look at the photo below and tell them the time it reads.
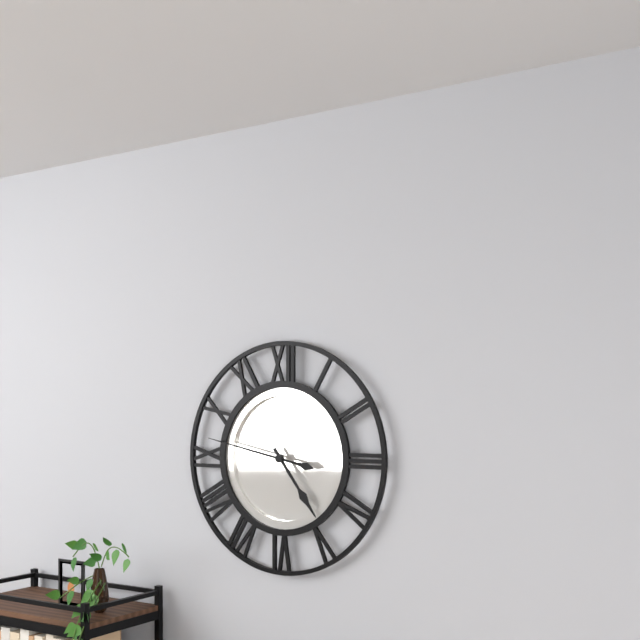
4:47
